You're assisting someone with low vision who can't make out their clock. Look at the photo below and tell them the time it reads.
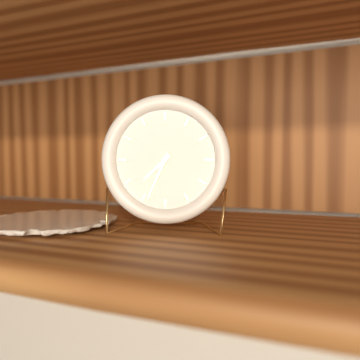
7:34
